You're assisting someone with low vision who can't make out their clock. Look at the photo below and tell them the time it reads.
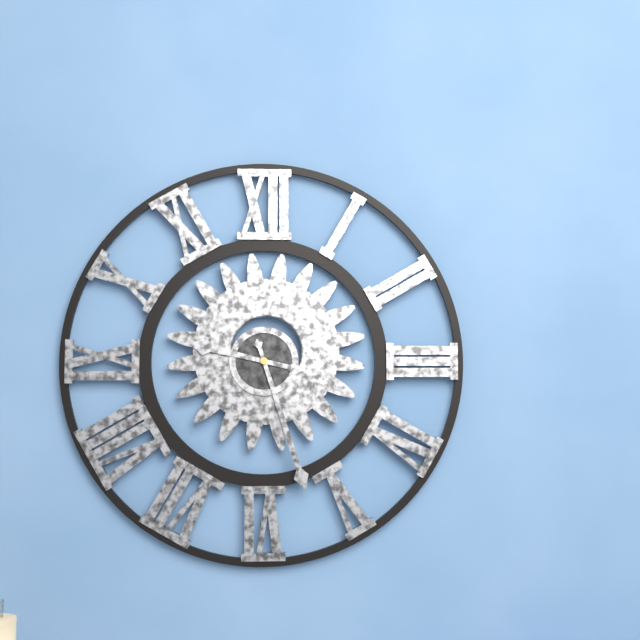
9:27
